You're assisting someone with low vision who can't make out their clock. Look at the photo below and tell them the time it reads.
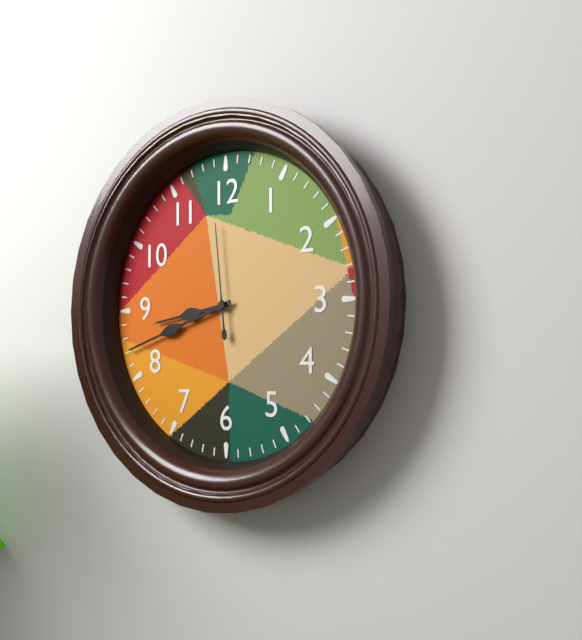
8:42:59
